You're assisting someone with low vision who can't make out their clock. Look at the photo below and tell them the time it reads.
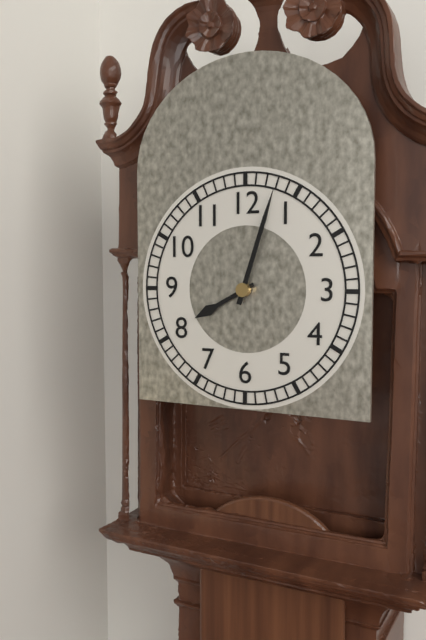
8:03
